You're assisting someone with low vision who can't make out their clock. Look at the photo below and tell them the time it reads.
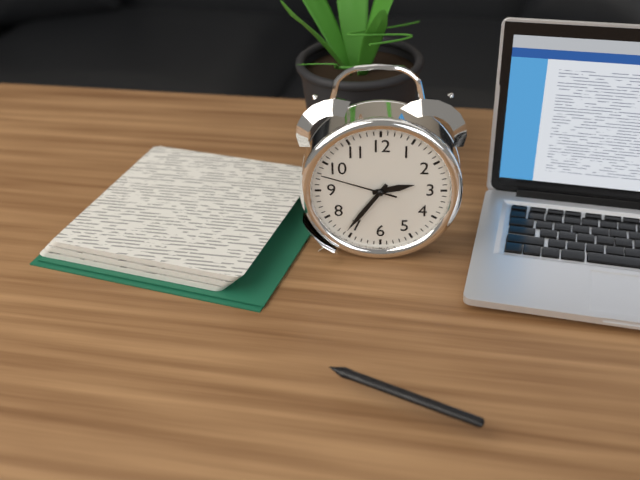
2:36:48
